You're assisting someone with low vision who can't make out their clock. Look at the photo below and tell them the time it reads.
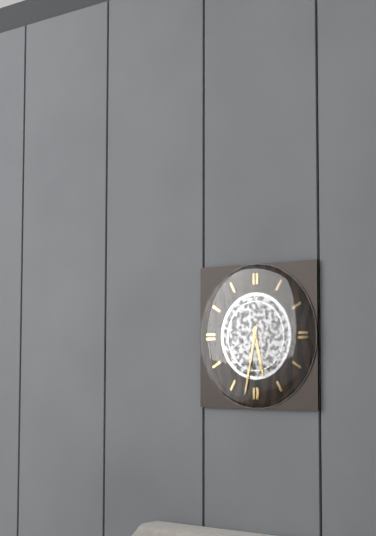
5:32
